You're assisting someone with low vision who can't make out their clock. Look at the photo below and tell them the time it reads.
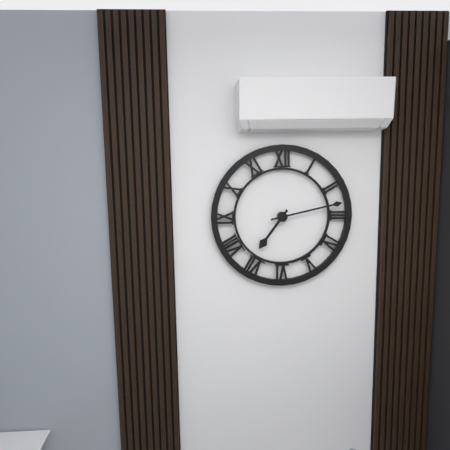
7:13
